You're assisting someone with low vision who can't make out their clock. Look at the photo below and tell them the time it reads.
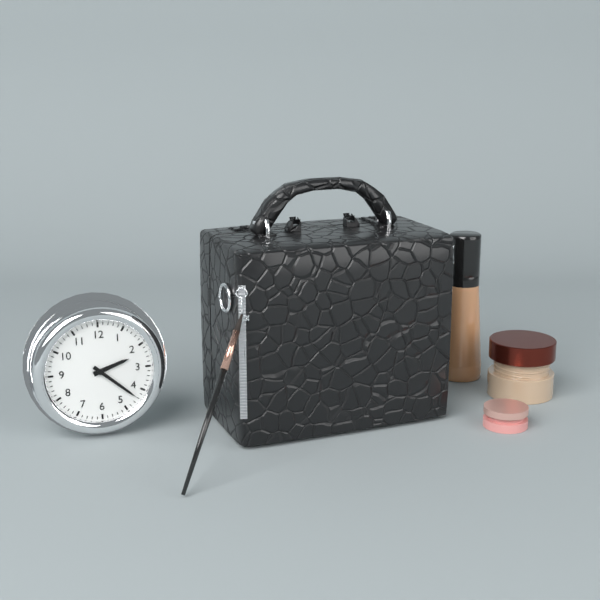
2:22
